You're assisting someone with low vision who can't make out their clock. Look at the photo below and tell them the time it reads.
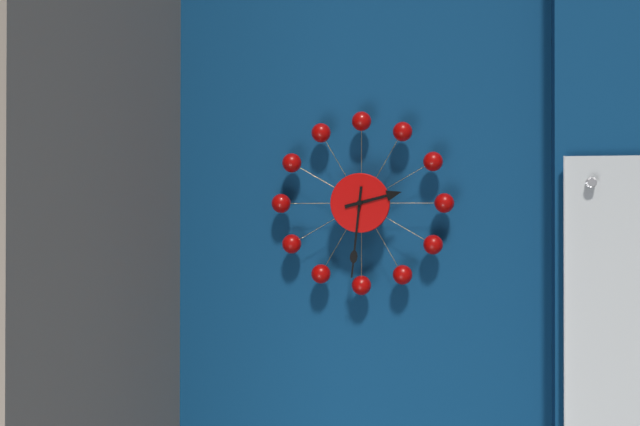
2:31
